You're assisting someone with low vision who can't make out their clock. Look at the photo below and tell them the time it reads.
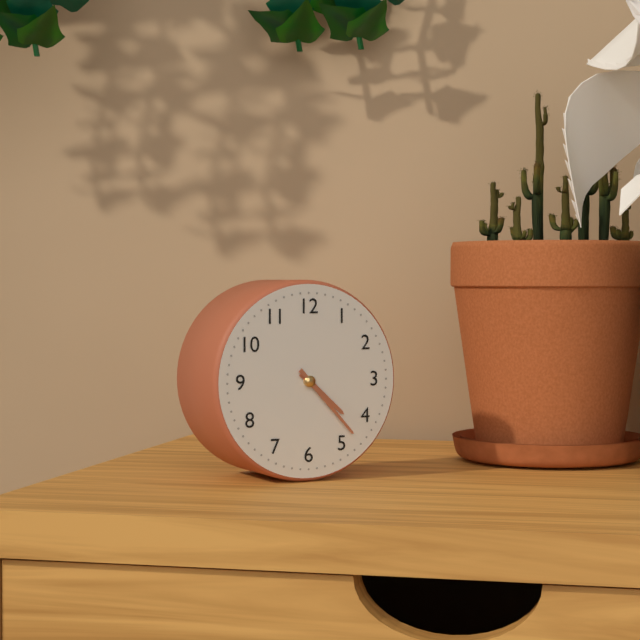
4:23
